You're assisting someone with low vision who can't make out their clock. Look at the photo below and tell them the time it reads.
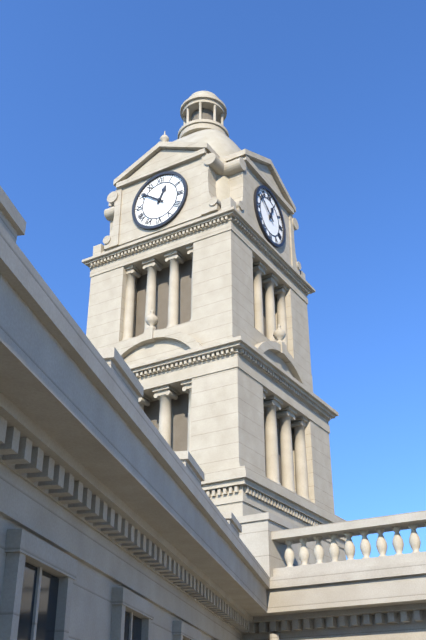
12:51
